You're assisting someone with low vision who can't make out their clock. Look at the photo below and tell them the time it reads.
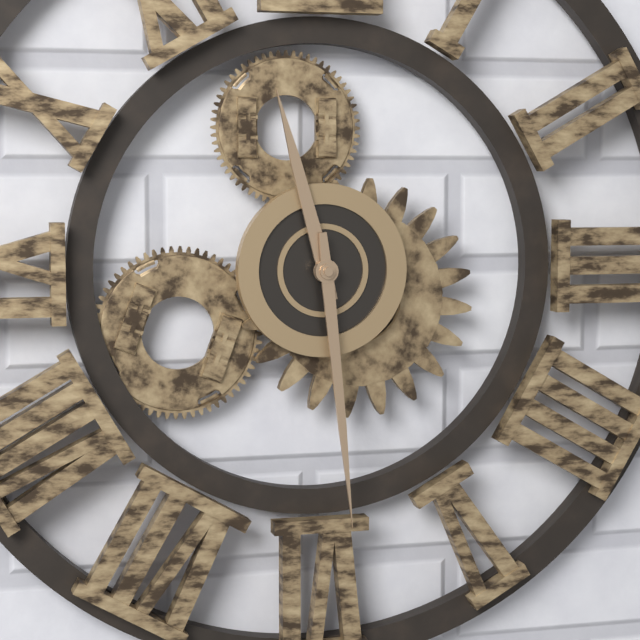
11:29
